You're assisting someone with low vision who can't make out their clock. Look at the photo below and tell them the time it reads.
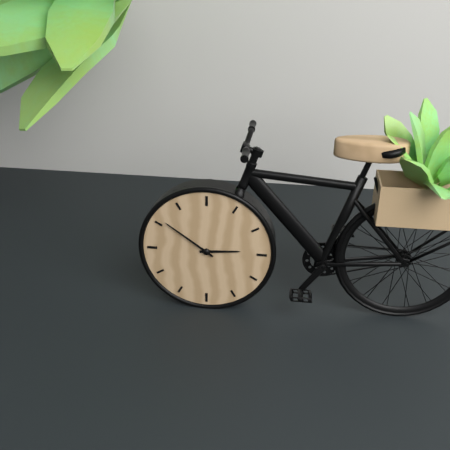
2:51
